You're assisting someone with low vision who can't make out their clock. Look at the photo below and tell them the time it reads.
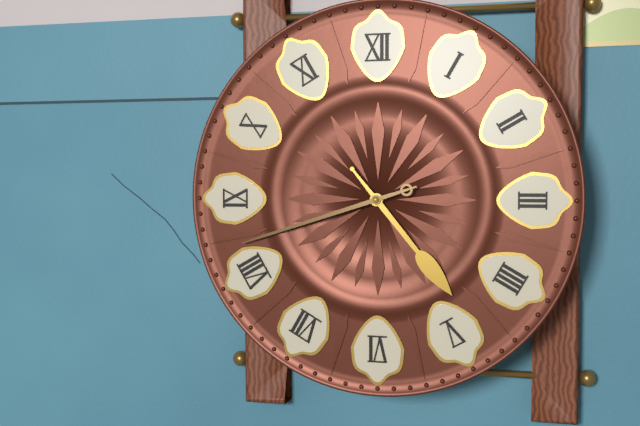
4:42
